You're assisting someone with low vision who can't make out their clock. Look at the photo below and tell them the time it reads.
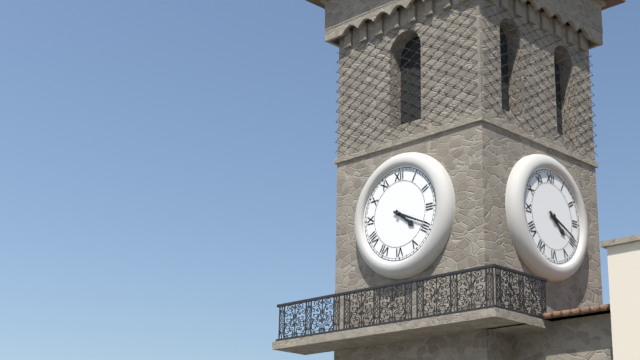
4:19
